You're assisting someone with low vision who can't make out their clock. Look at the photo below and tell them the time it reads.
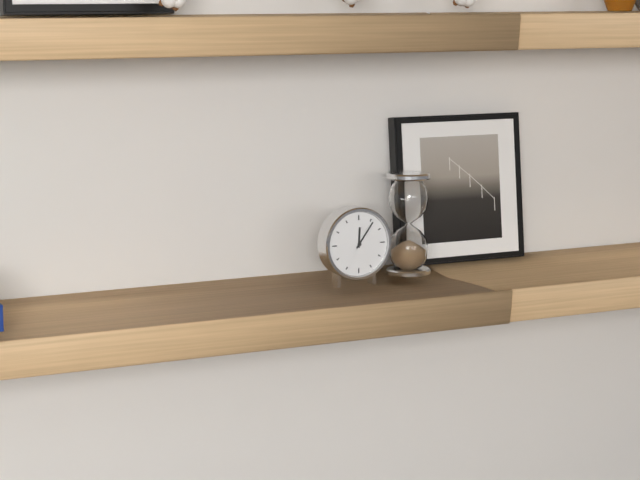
12:06
